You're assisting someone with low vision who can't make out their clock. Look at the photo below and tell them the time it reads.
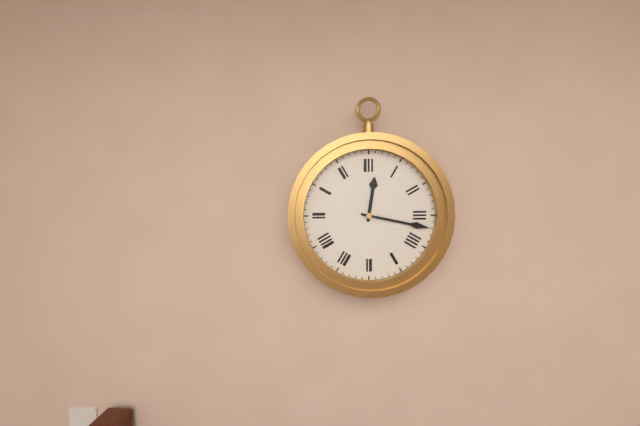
12:17
